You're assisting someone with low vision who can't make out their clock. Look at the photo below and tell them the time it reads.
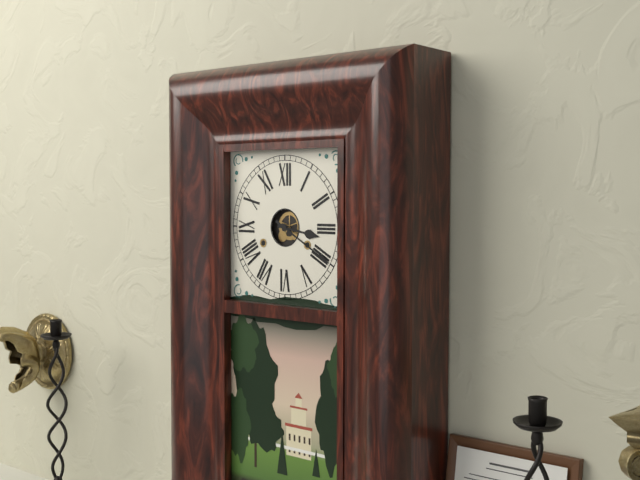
3:20
